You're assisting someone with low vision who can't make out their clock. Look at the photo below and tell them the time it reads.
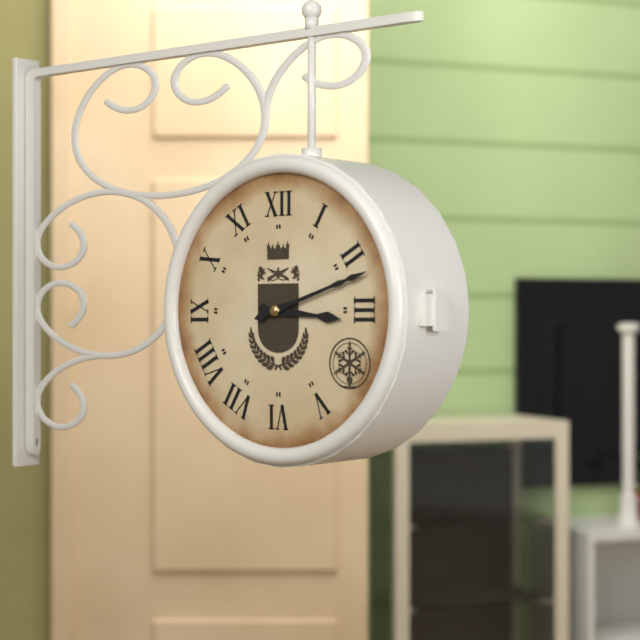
3:12
